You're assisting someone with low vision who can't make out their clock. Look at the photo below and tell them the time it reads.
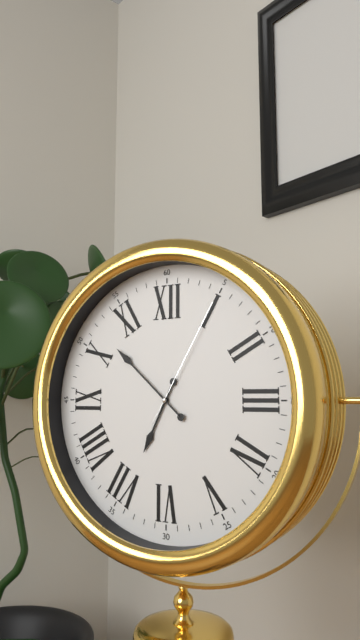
6:52:05
